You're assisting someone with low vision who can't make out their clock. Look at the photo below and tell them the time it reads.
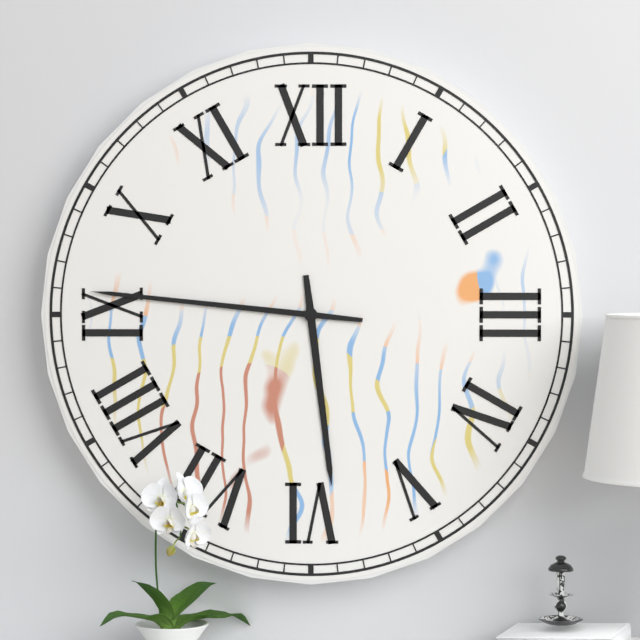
5:46
